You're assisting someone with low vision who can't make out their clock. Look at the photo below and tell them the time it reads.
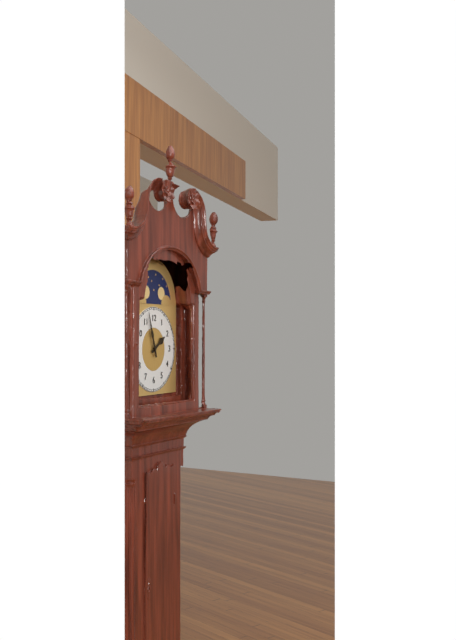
1:57
